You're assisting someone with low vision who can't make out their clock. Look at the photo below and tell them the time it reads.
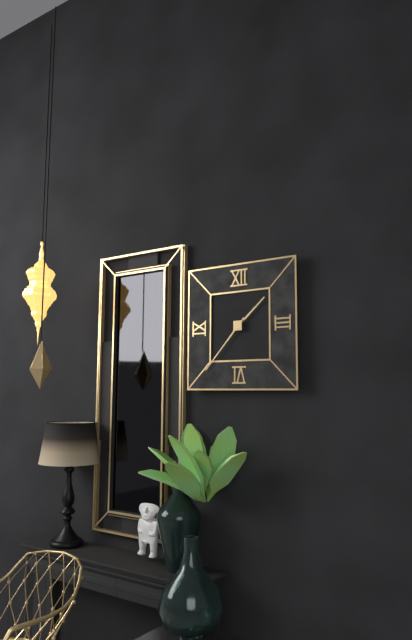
1:37
